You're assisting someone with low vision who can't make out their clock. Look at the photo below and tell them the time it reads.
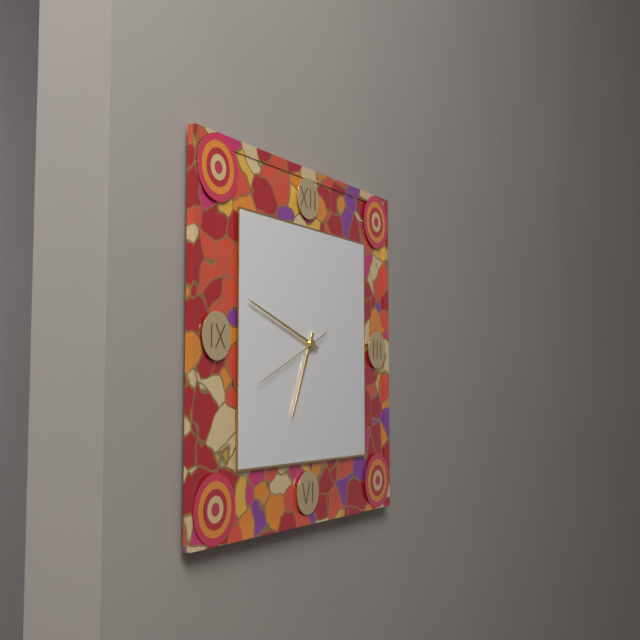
6:48:41
